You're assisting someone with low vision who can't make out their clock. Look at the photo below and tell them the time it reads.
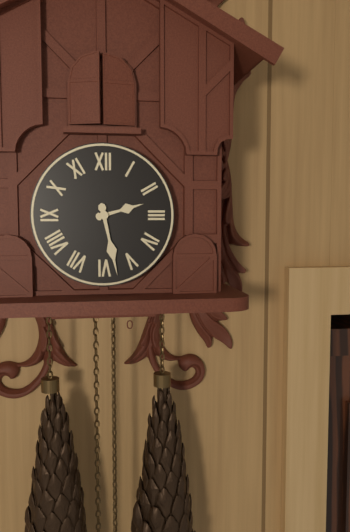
2:28
